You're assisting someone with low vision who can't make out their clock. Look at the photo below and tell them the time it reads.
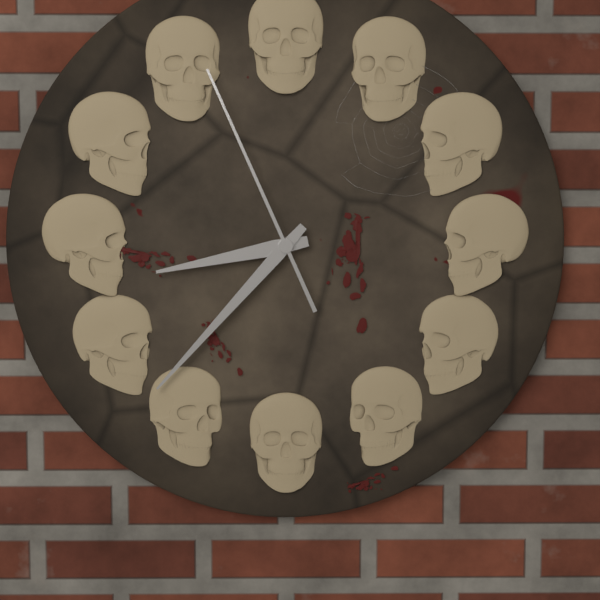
8:37:56
